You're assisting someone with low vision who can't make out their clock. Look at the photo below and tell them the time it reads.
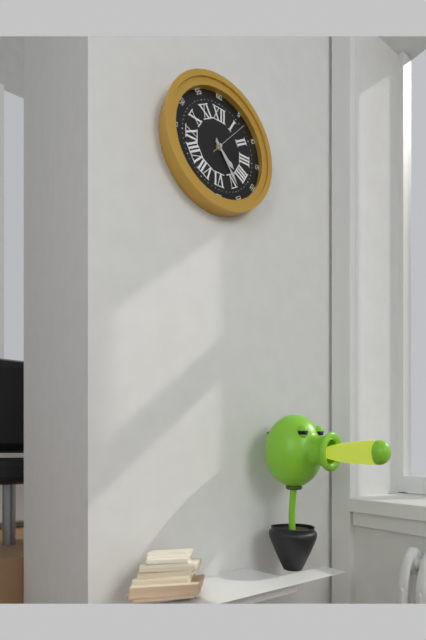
4:24
